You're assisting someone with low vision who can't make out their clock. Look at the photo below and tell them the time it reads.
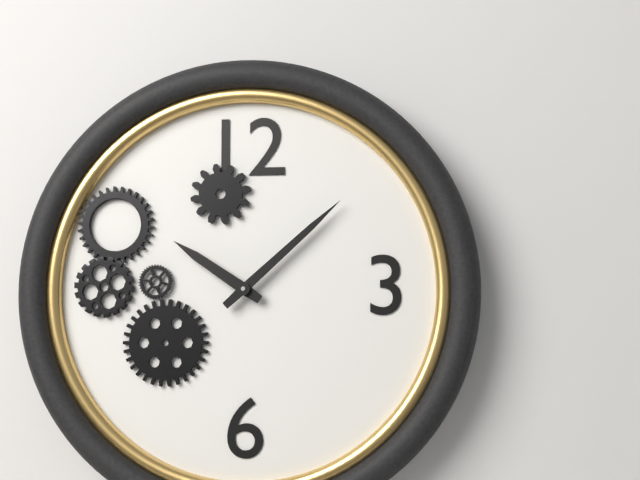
10:08
